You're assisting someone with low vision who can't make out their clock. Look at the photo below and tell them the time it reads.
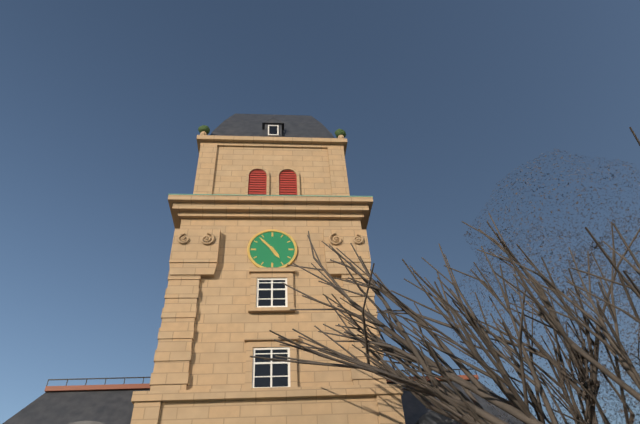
4:53
